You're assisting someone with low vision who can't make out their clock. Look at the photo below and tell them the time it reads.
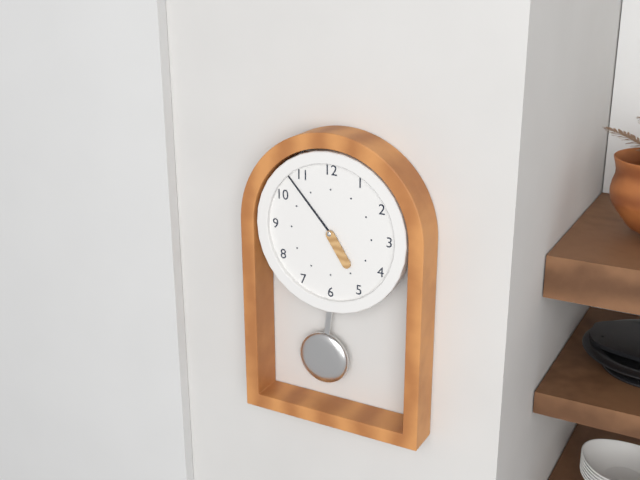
4:53
